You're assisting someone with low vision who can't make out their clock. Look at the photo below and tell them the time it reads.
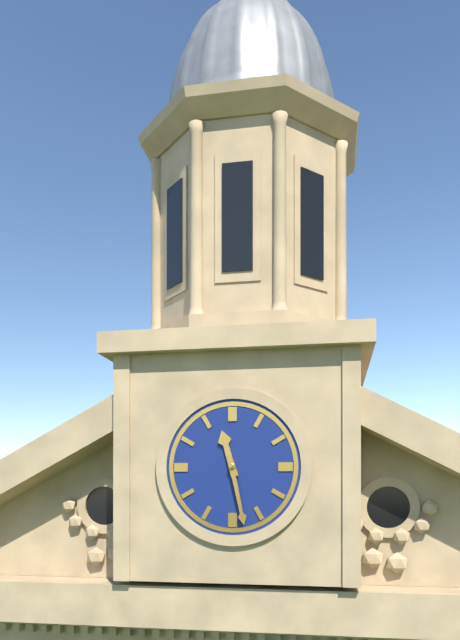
11:28
